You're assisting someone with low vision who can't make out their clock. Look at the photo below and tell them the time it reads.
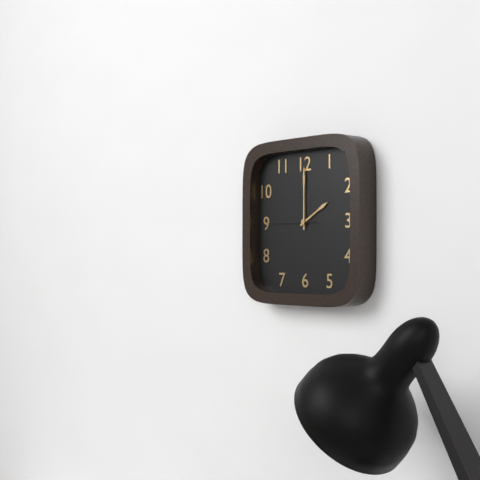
2:00
